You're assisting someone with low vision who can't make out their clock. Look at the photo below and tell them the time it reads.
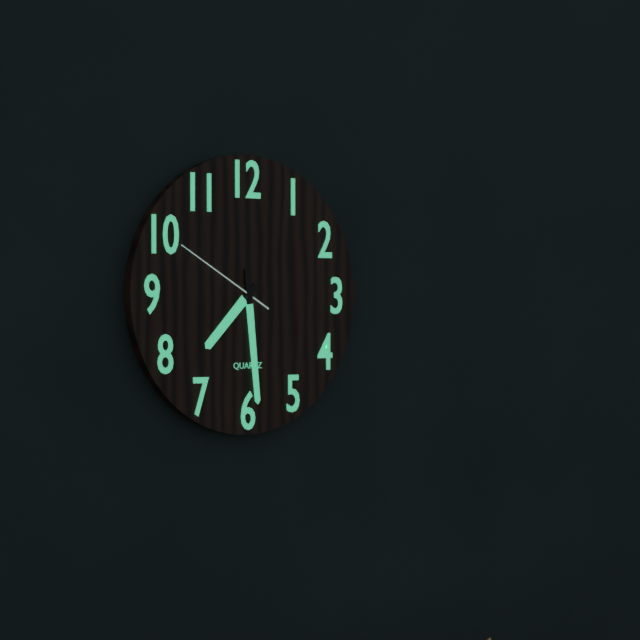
7:29:50
